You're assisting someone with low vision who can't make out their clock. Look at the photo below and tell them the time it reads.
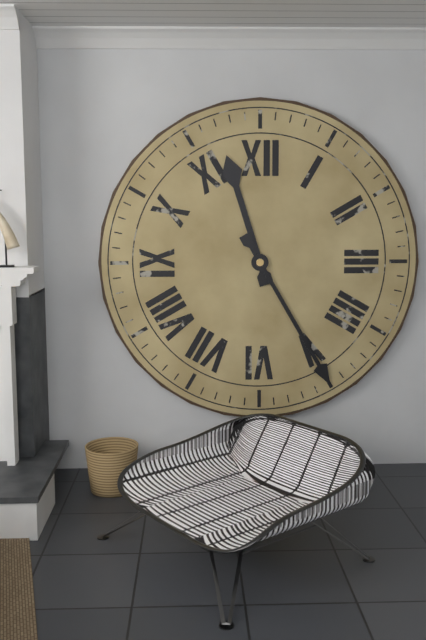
11:25
